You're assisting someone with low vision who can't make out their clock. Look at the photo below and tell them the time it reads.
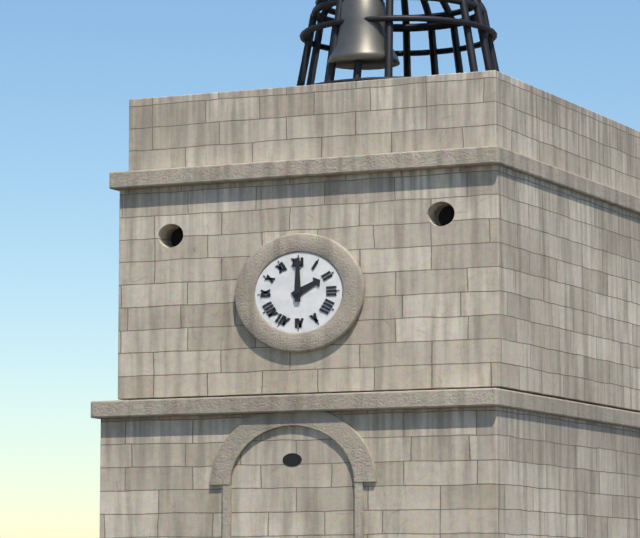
2:00
